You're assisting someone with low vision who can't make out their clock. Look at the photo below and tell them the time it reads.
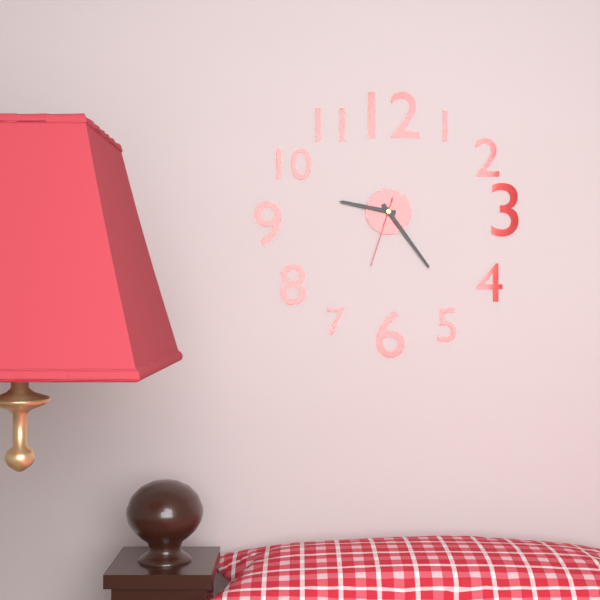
9:24:33
